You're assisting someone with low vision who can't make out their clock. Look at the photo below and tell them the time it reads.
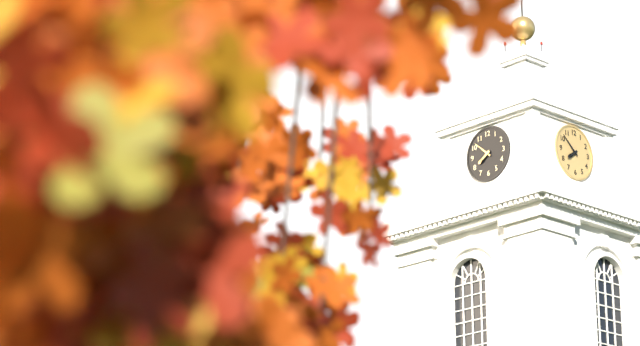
7:52
